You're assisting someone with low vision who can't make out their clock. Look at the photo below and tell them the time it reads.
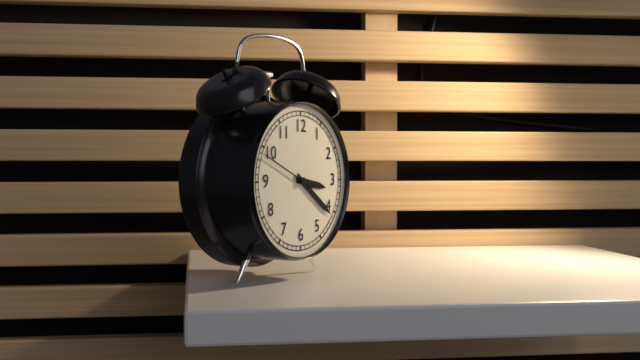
3:21:49
